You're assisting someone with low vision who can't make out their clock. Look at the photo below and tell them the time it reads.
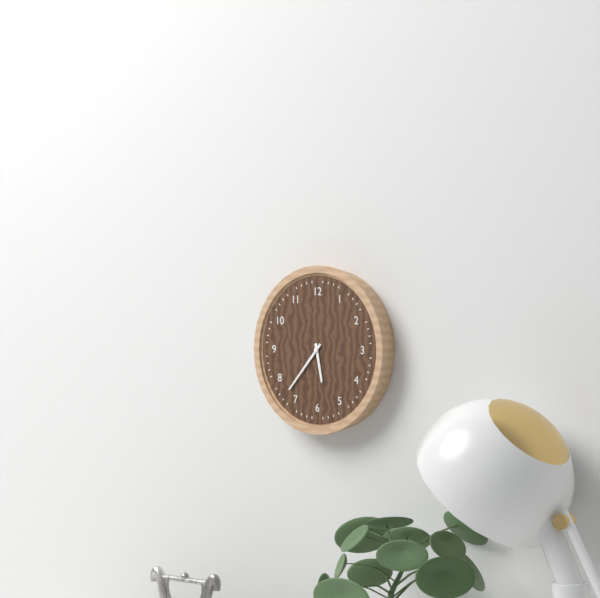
5:37
